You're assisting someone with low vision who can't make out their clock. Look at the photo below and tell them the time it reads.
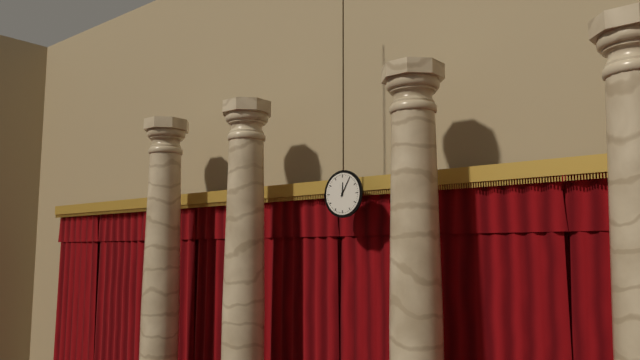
12:05
